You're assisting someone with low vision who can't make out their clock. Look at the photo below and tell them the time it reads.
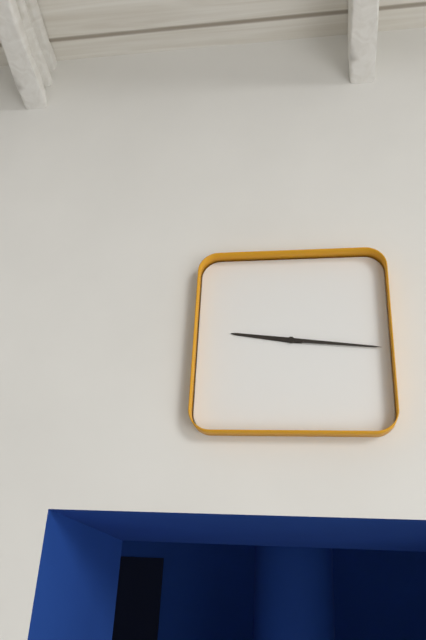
9:16
